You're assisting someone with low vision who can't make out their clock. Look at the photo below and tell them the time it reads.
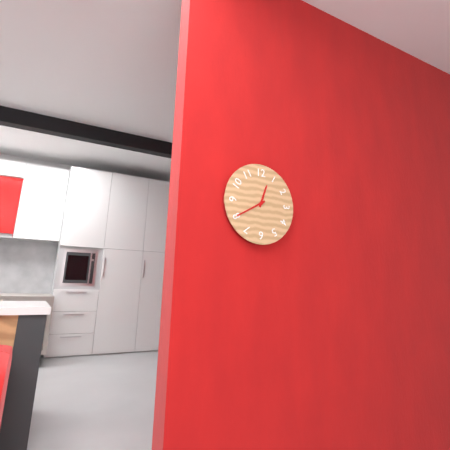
12:40
